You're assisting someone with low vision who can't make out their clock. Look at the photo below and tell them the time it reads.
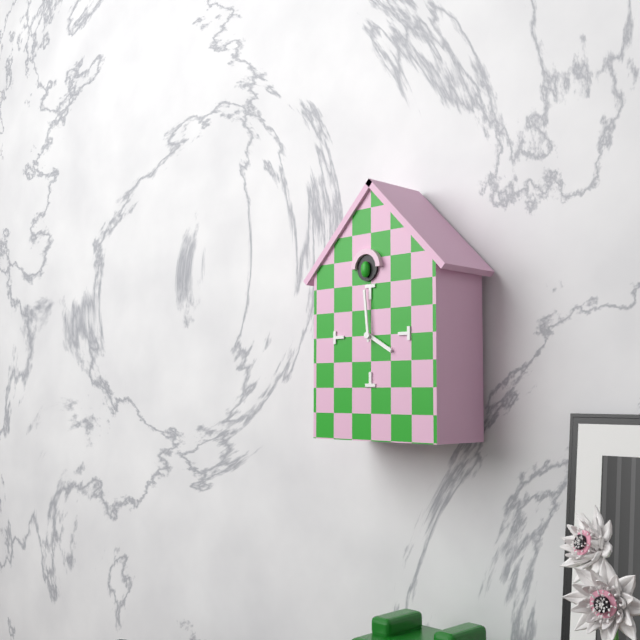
3:59
